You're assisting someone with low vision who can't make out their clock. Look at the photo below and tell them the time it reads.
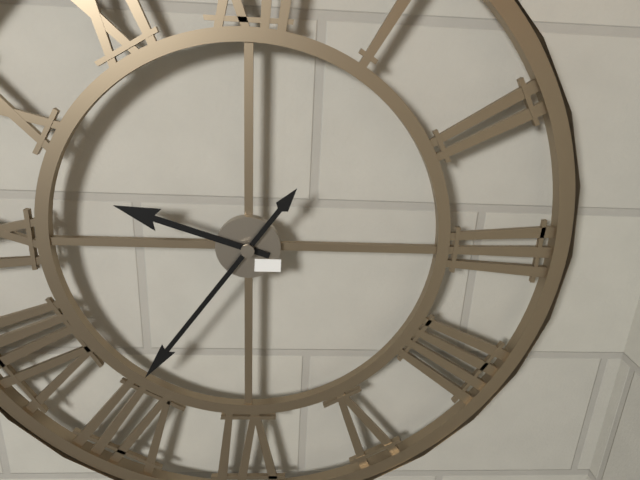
9:36
